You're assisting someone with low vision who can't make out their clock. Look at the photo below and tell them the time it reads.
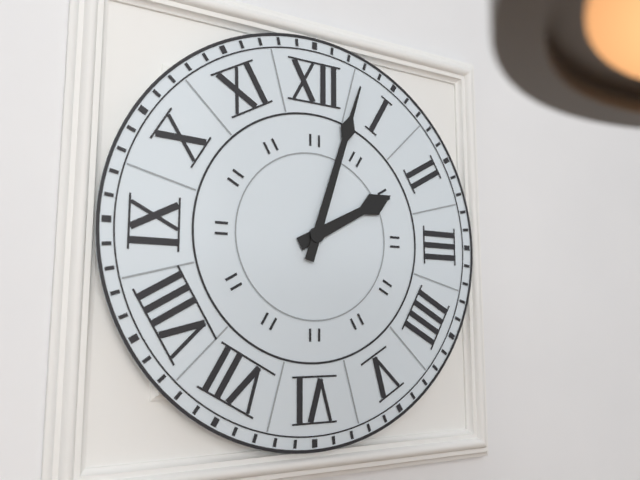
2:03
